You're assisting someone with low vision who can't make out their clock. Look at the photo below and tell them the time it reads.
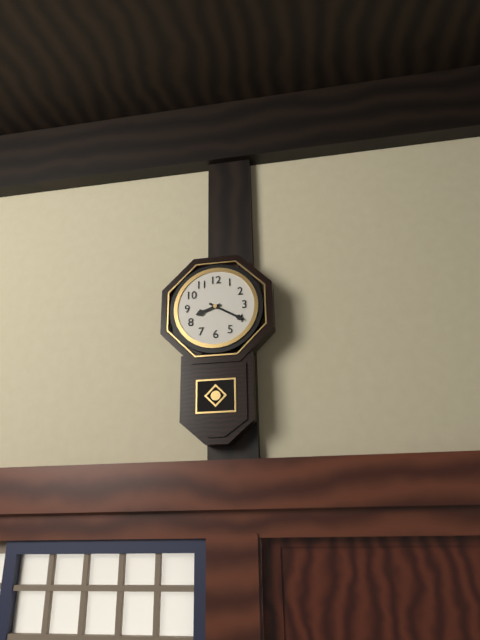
8:20
